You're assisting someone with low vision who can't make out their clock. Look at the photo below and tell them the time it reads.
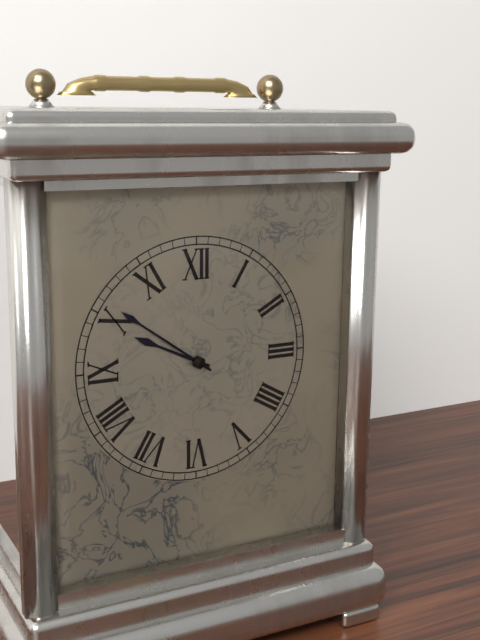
9:51
